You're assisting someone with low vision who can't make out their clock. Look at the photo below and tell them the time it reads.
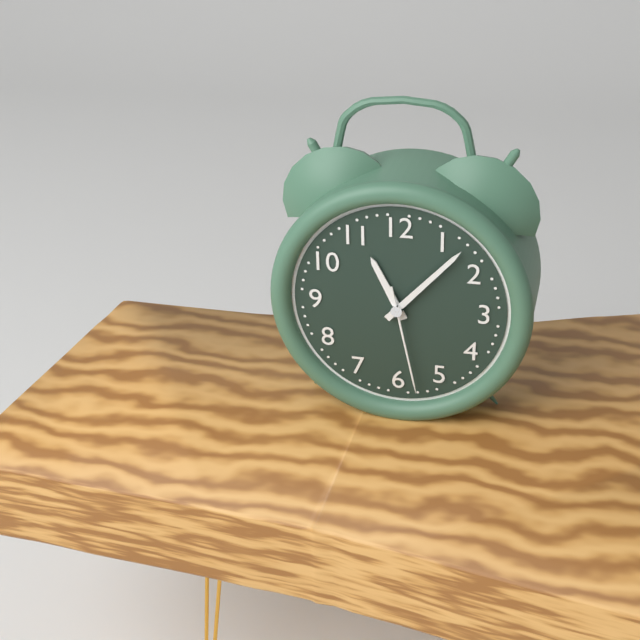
11:07:28
